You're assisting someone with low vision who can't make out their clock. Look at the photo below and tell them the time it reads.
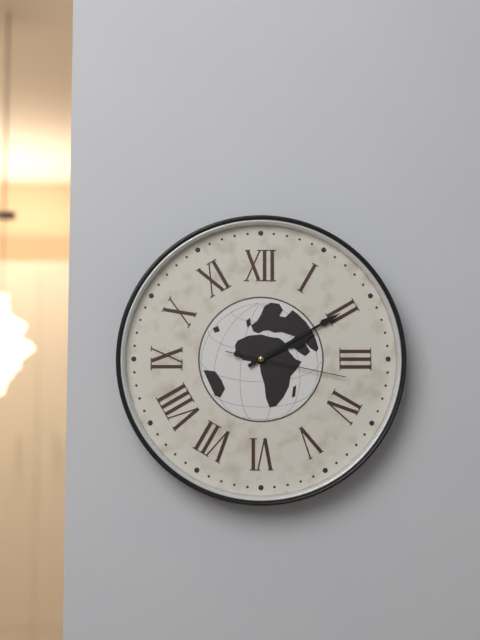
2:10:17
